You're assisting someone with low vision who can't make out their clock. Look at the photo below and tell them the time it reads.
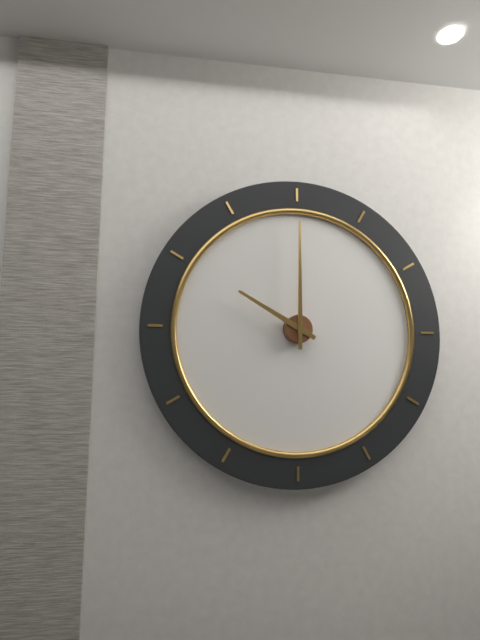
10:00
